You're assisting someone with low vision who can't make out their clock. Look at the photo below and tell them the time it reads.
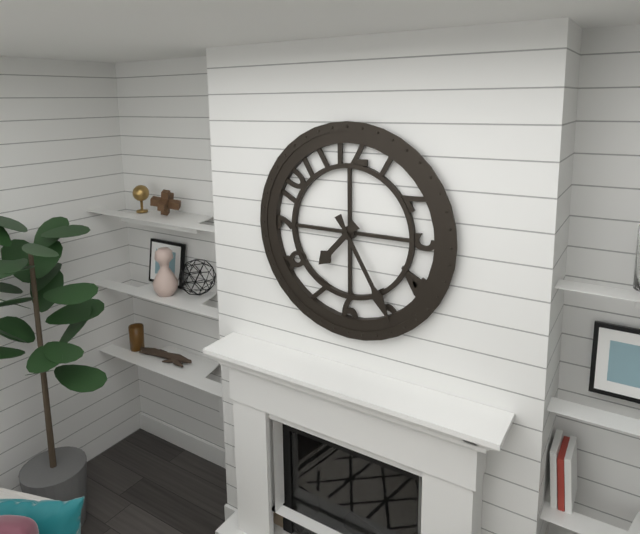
7:25
